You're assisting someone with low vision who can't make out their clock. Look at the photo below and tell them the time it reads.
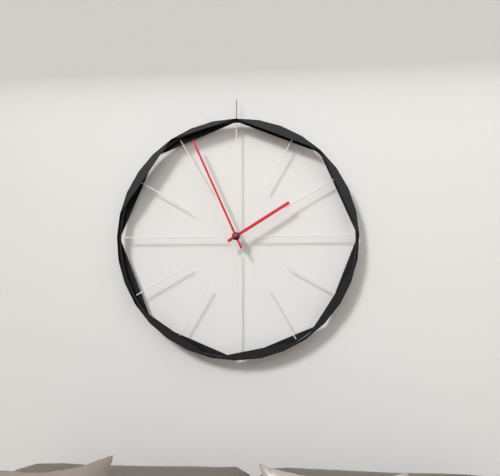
1:56
